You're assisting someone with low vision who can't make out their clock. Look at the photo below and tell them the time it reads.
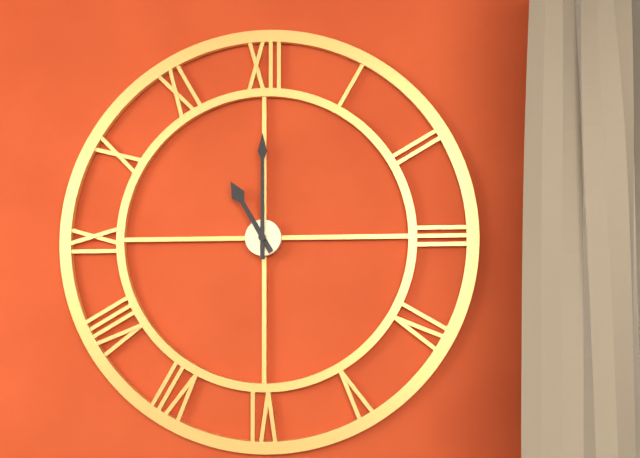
11:00
